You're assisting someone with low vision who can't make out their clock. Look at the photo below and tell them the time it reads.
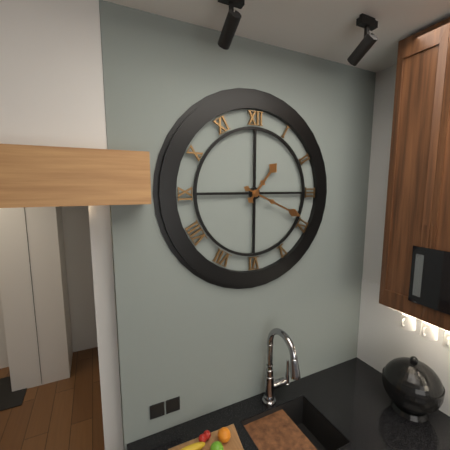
1:19
